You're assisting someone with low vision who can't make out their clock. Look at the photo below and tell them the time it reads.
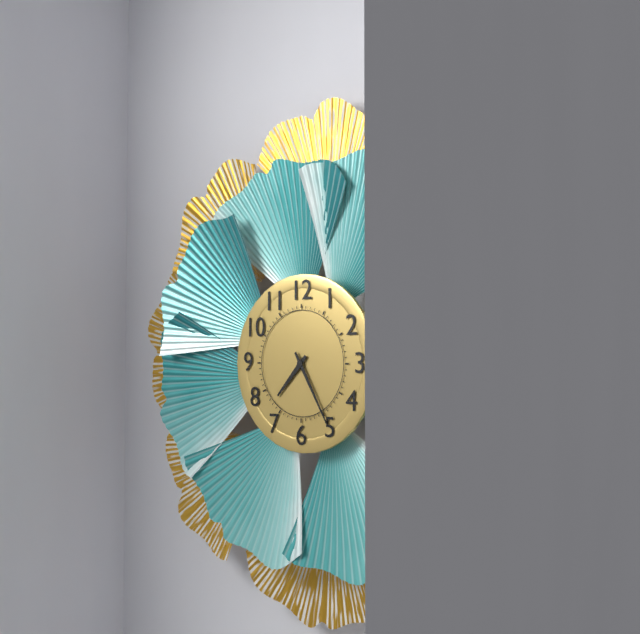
7:25
